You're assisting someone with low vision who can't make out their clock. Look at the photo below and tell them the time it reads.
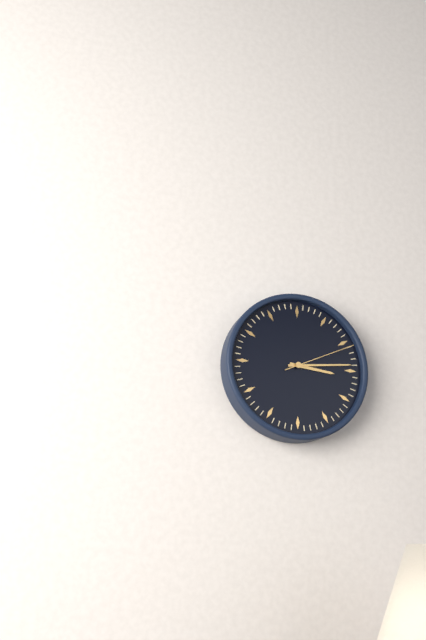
3:14:11
